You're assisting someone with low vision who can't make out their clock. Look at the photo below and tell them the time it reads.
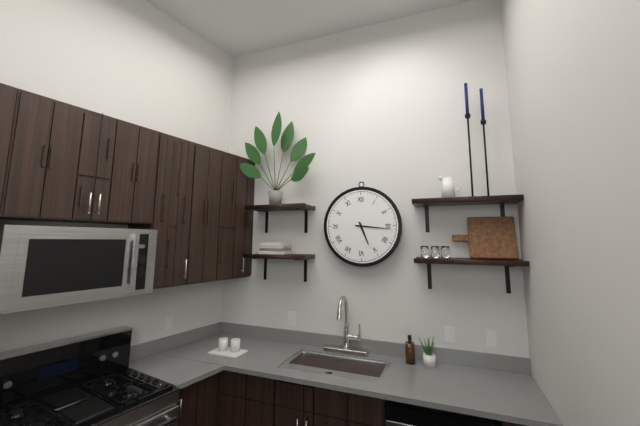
5:16
